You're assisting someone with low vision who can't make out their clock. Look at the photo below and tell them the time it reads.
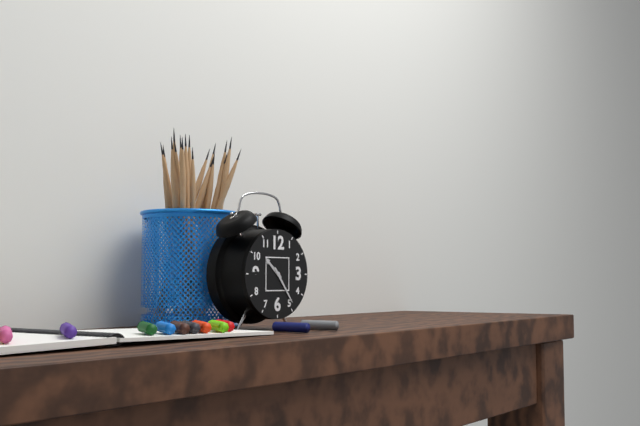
10:24
